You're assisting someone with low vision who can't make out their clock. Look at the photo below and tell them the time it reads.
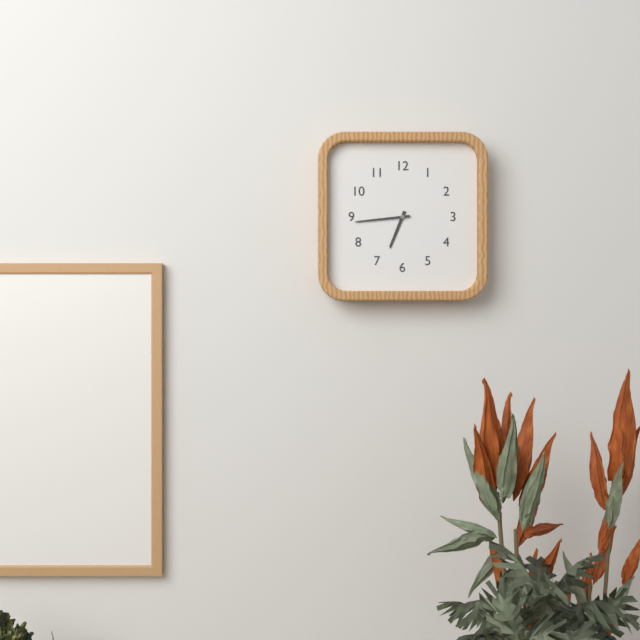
6:44
